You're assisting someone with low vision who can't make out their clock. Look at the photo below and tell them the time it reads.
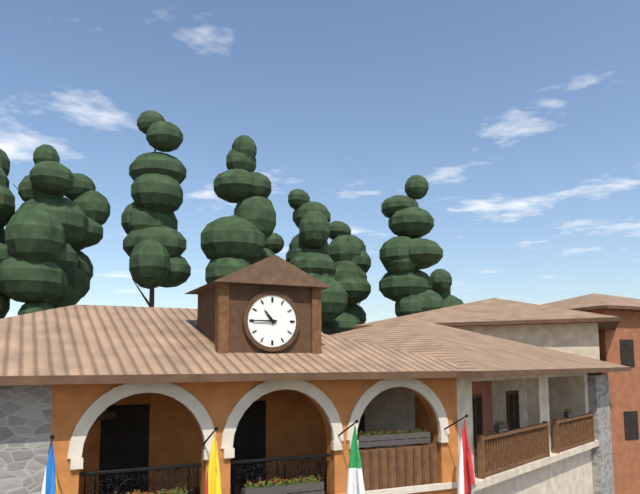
10:45
